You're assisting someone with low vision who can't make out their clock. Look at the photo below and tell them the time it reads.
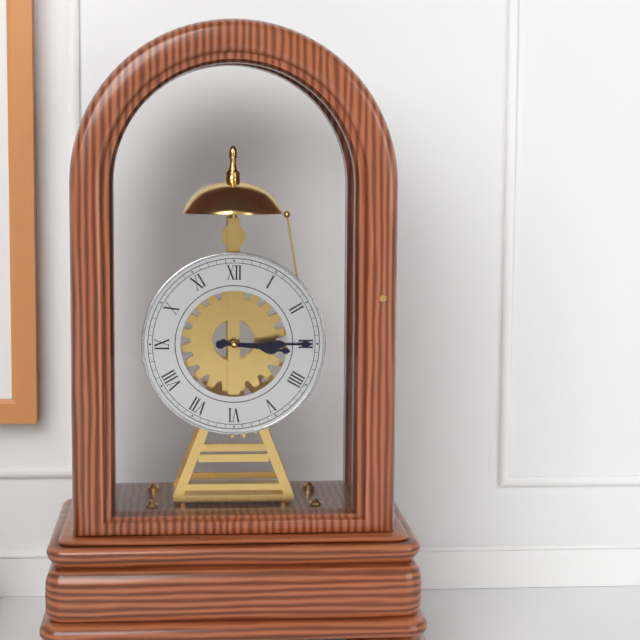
3:15
